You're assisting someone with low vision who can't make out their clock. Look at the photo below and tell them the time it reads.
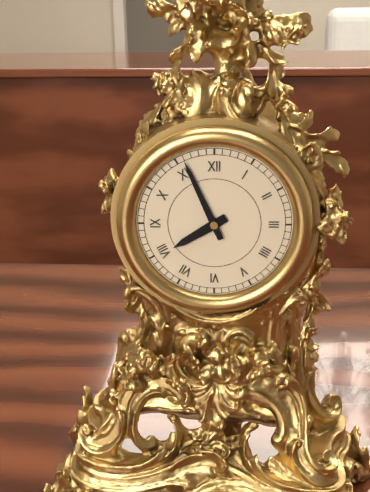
7:56
